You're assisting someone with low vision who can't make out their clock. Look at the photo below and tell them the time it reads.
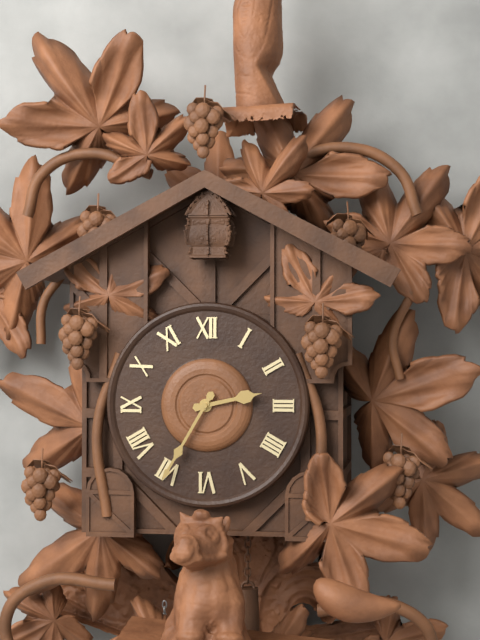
2:35
